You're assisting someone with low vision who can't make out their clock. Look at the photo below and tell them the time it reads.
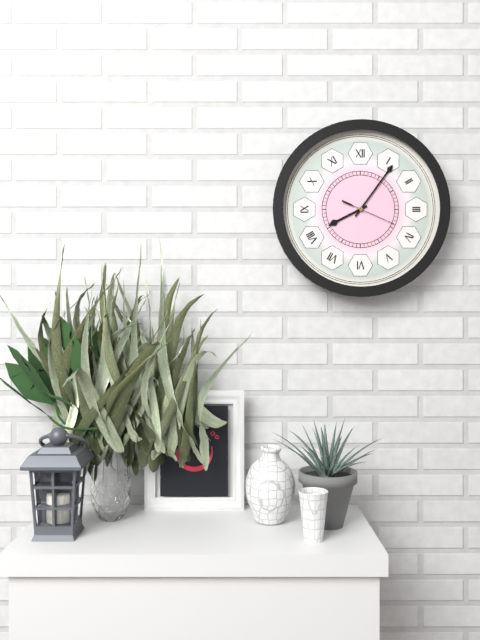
8:06
